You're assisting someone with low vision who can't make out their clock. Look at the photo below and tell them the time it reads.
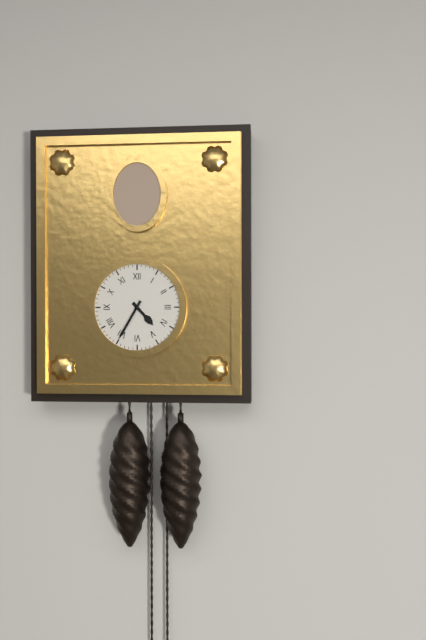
4:35
